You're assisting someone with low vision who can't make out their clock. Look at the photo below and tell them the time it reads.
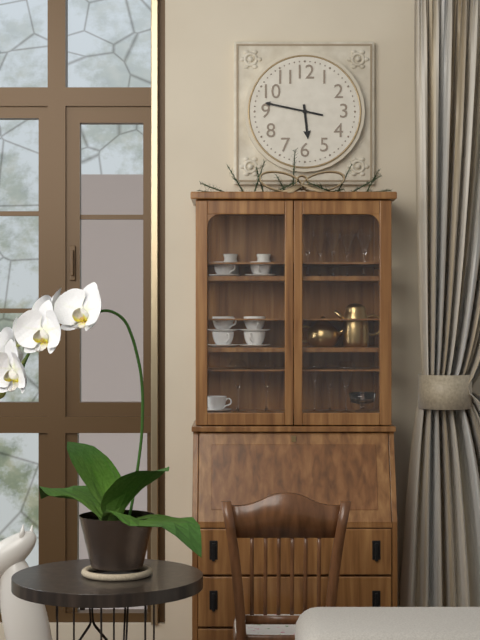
5:47
